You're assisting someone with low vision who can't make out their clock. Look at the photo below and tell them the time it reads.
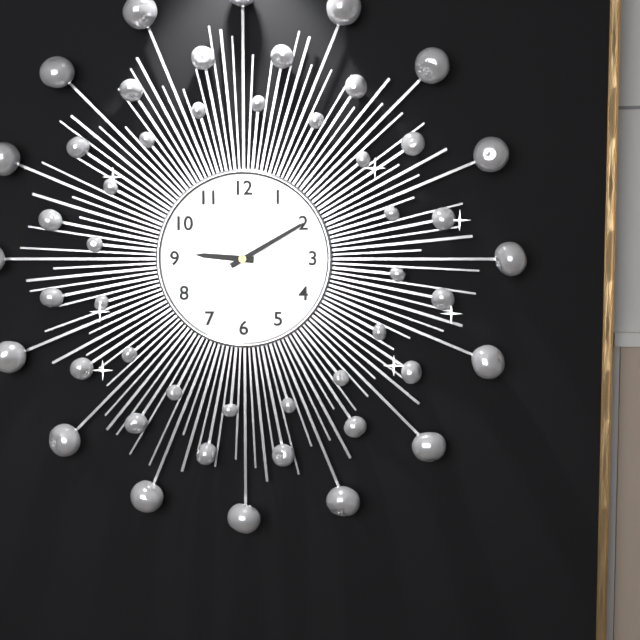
9:10
